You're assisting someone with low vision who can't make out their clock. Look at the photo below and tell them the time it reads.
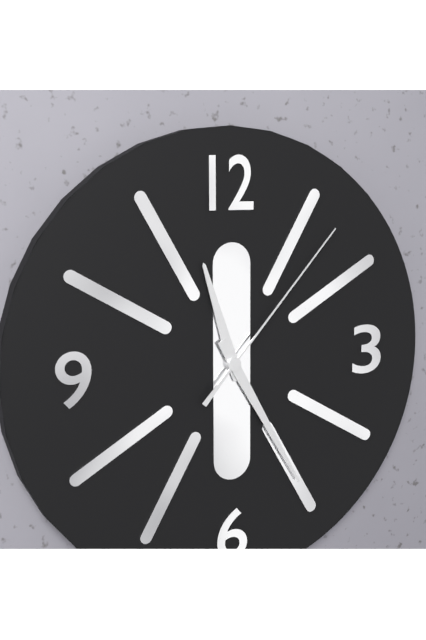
11:25:07
